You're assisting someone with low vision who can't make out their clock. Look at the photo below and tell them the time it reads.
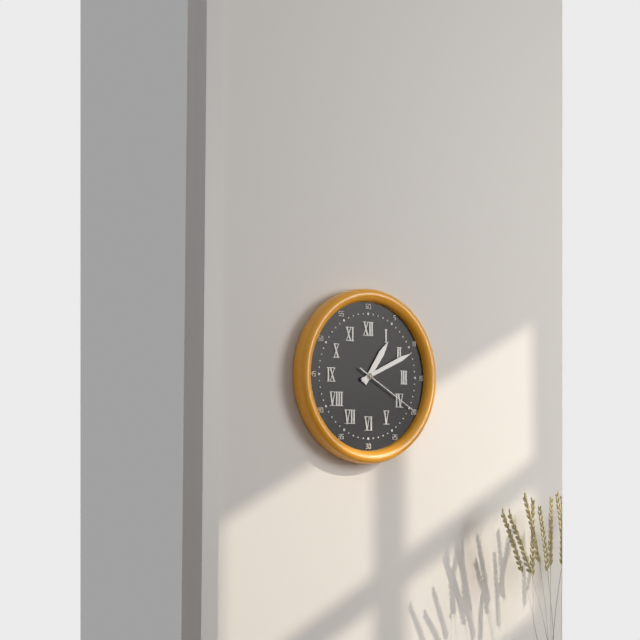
1:11:20
